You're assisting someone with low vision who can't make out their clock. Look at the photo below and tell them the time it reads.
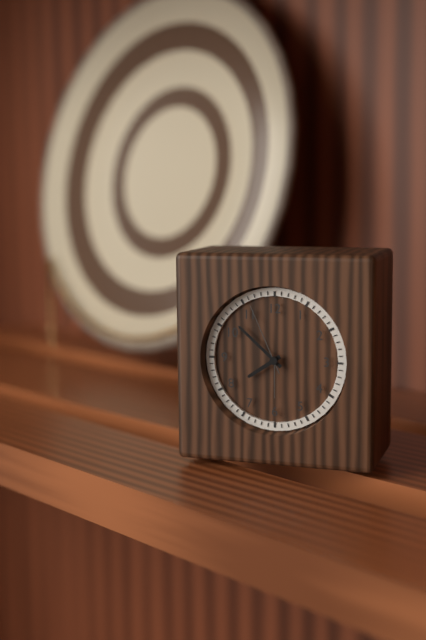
7:52:56
